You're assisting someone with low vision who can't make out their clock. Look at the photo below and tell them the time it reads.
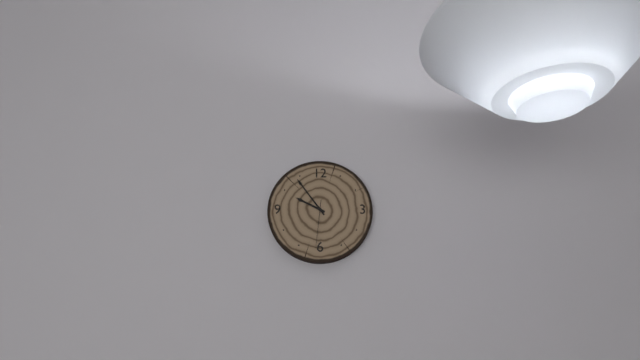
9:54
